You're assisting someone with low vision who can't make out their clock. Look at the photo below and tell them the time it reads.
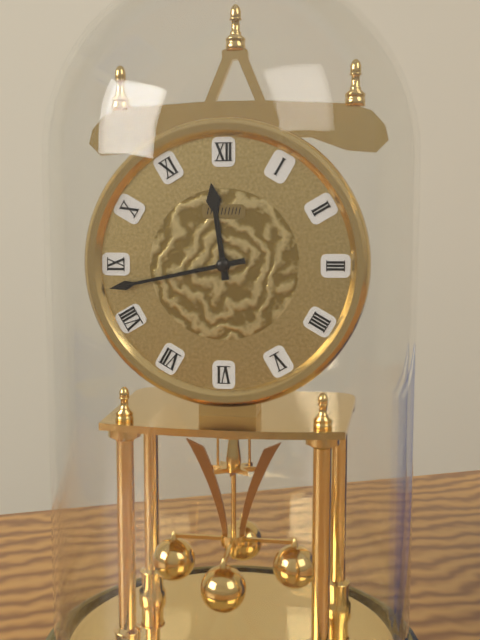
11:43
